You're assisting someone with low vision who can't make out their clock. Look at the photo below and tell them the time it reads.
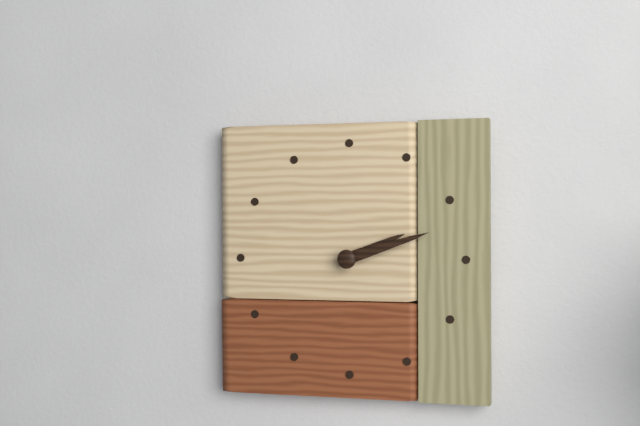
2:12
